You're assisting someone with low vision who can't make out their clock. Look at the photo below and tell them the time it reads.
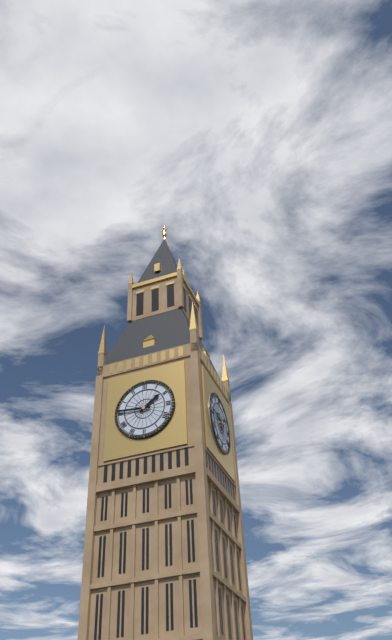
1:46
